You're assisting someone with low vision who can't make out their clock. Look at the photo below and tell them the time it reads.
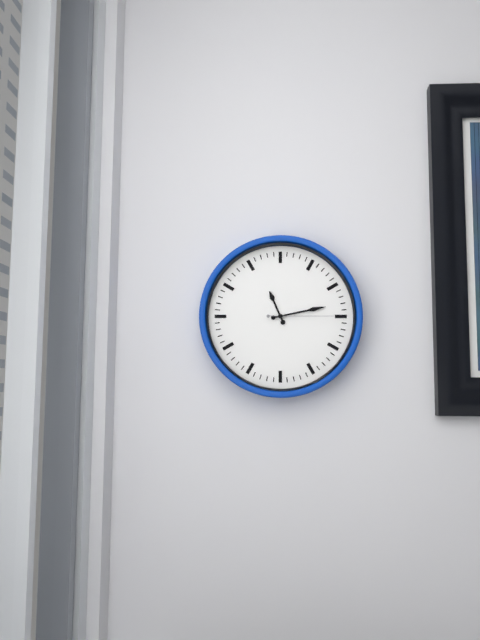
11:13:15
